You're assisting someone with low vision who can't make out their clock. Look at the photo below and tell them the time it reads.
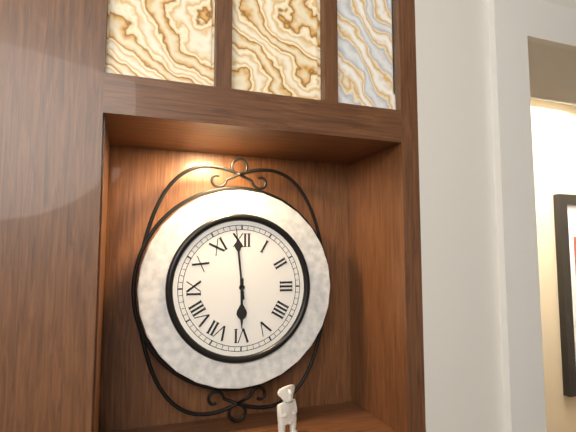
5:59
